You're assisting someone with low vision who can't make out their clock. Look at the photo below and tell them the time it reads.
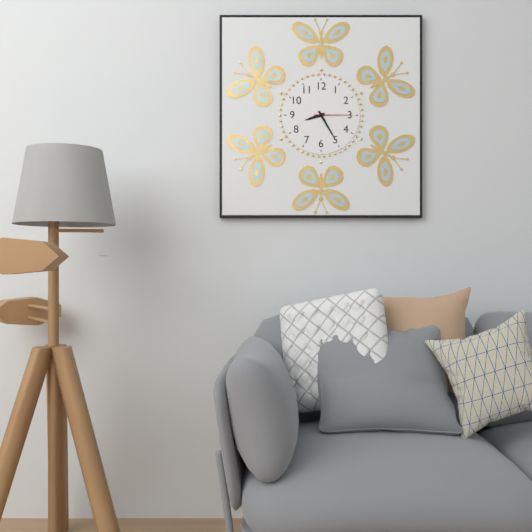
8:25
